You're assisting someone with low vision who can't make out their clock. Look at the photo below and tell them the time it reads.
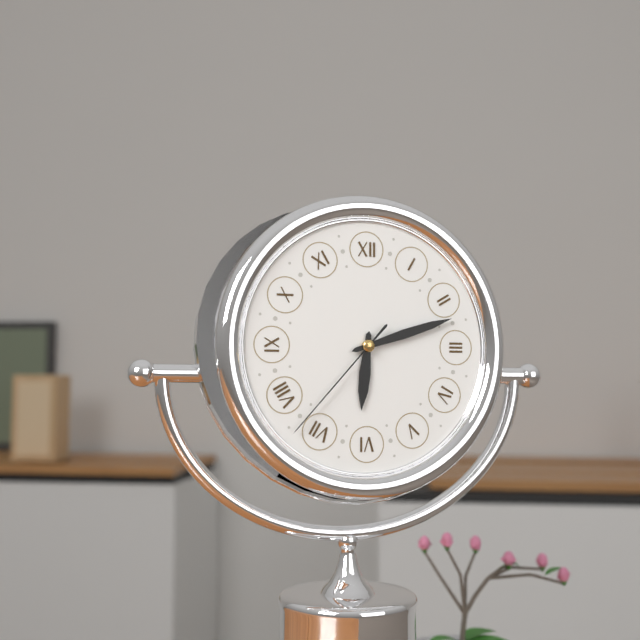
6:12:37
